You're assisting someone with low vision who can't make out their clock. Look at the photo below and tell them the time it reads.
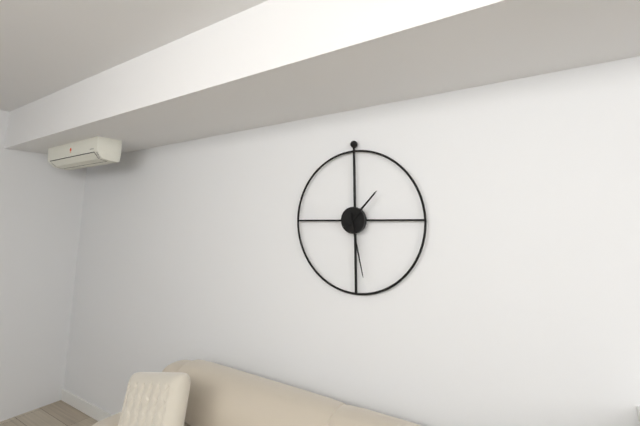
1:28
